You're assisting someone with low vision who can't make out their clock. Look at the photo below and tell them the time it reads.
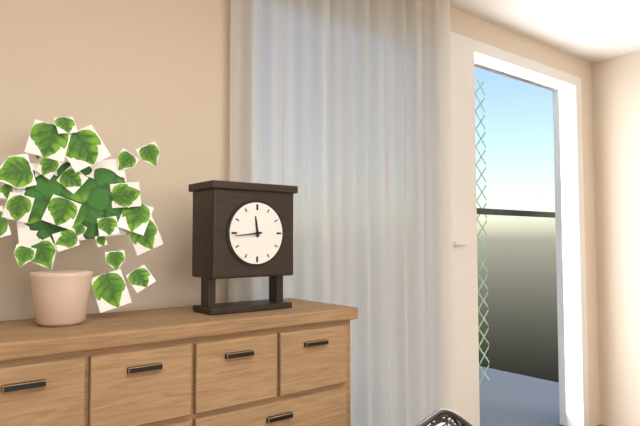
11:44
